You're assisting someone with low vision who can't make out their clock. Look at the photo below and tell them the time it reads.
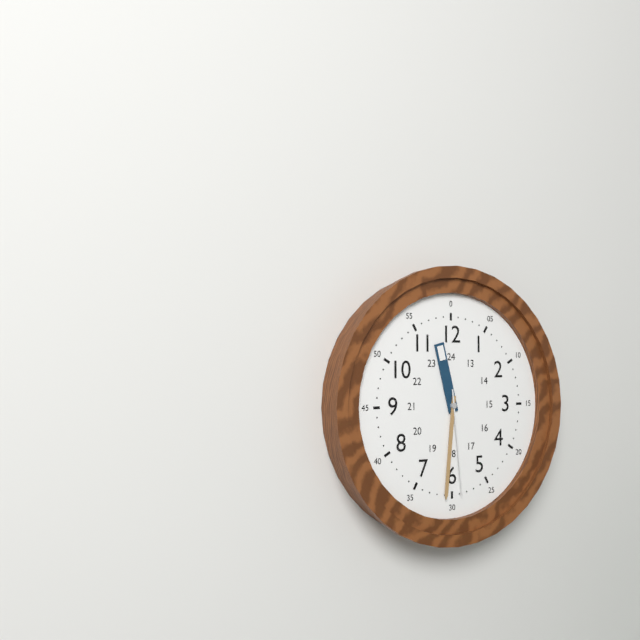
11:31:29
